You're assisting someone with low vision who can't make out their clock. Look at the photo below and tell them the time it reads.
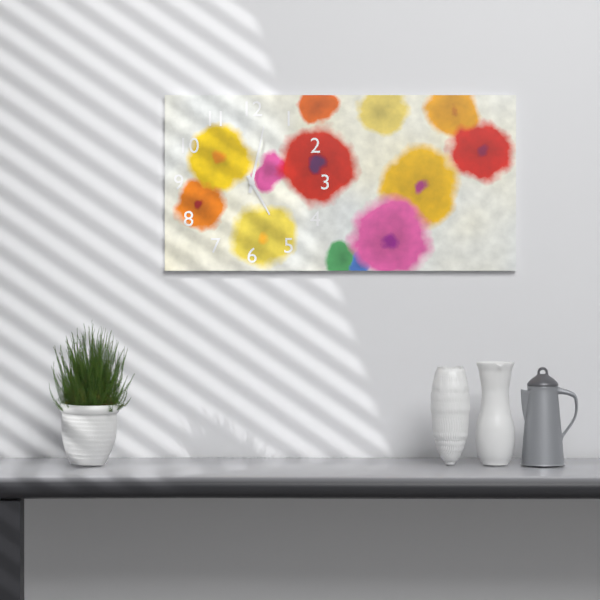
5:02
